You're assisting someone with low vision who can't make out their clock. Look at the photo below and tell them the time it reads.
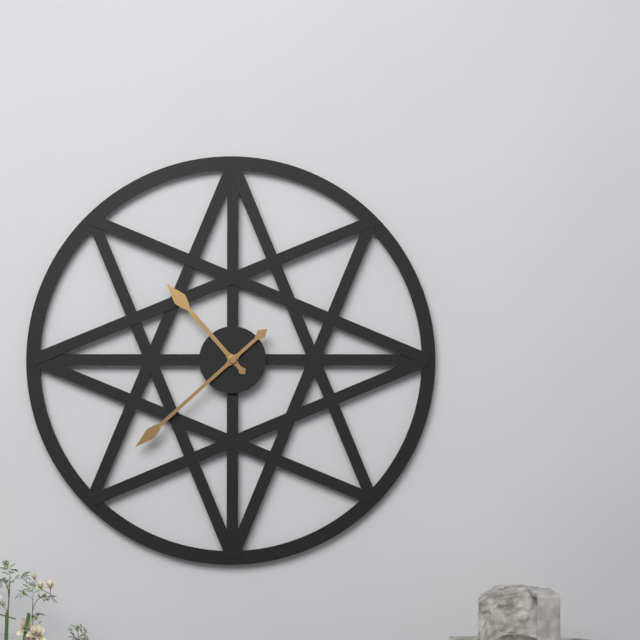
10:38
